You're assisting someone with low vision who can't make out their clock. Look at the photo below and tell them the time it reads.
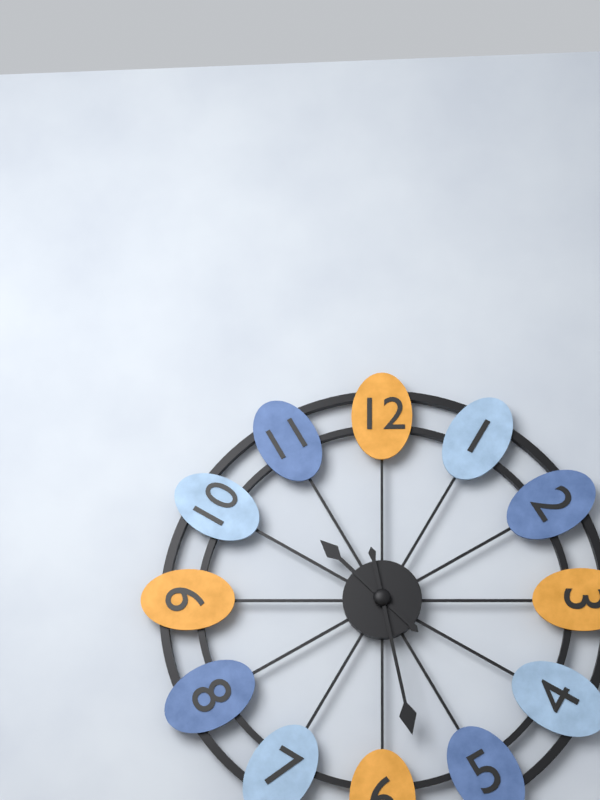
10:28
